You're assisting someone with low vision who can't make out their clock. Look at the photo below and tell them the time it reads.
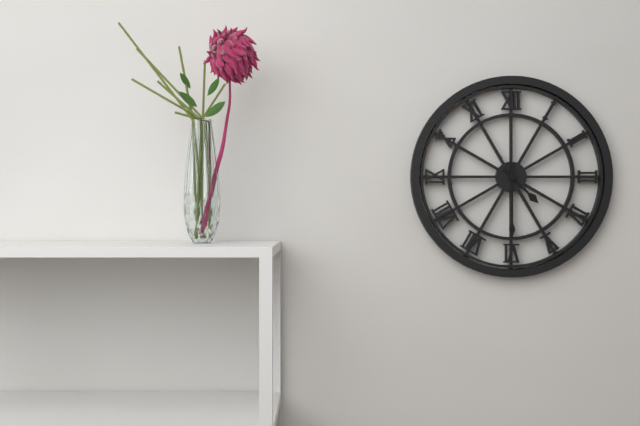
4:30
